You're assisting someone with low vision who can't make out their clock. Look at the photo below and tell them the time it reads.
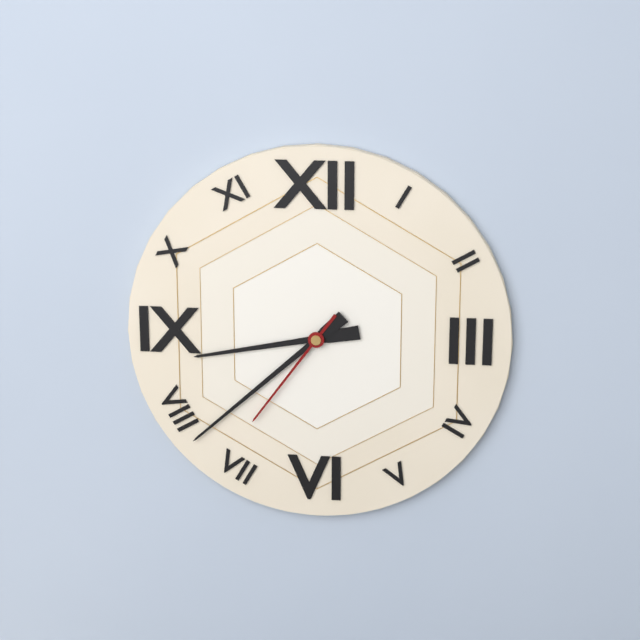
8:38:36
